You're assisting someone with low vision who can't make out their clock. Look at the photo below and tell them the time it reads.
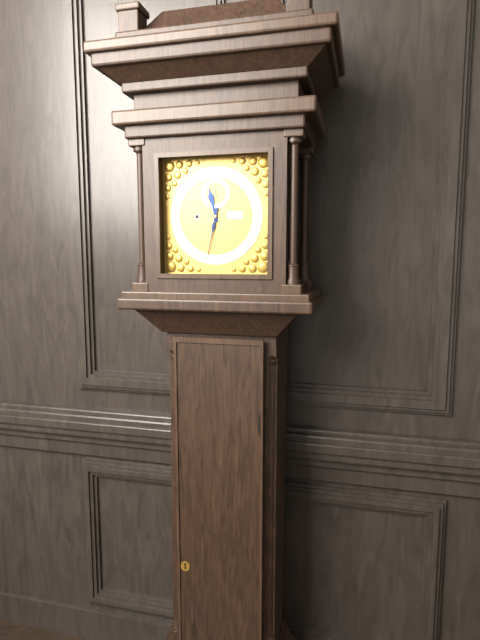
11:32
